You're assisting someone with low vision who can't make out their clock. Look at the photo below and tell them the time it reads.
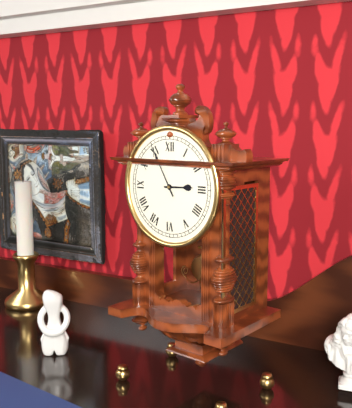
2:55
